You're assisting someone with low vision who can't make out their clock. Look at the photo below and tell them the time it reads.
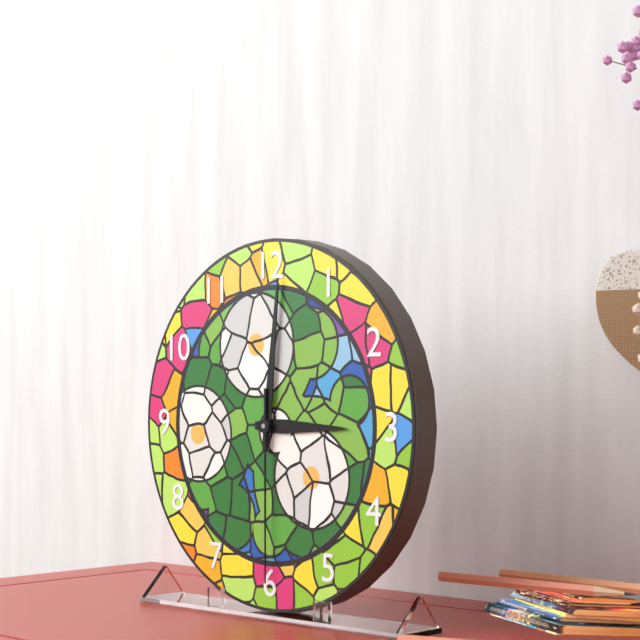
3:01:30
